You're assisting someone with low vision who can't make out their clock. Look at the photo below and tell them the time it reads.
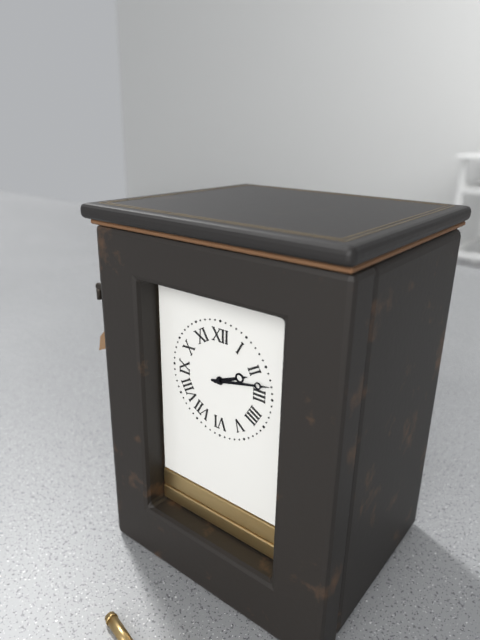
2:13
